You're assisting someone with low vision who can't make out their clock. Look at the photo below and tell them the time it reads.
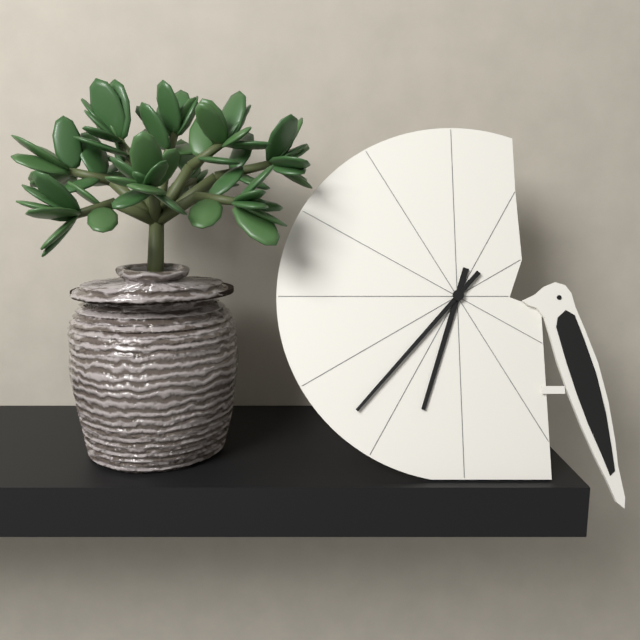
6:37
